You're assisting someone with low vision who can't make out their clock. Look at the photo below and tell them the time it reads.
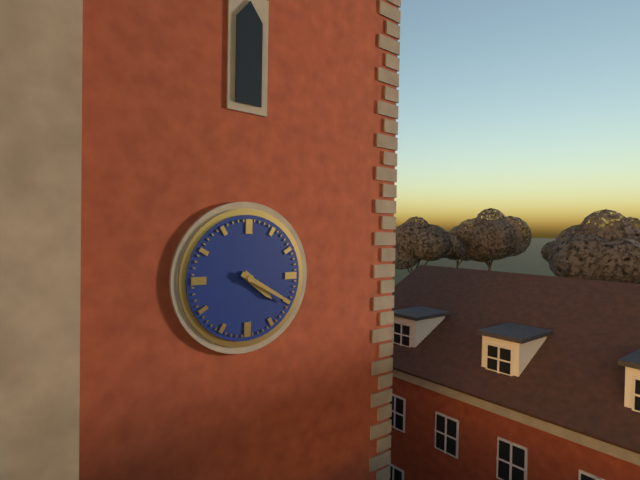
4:20
